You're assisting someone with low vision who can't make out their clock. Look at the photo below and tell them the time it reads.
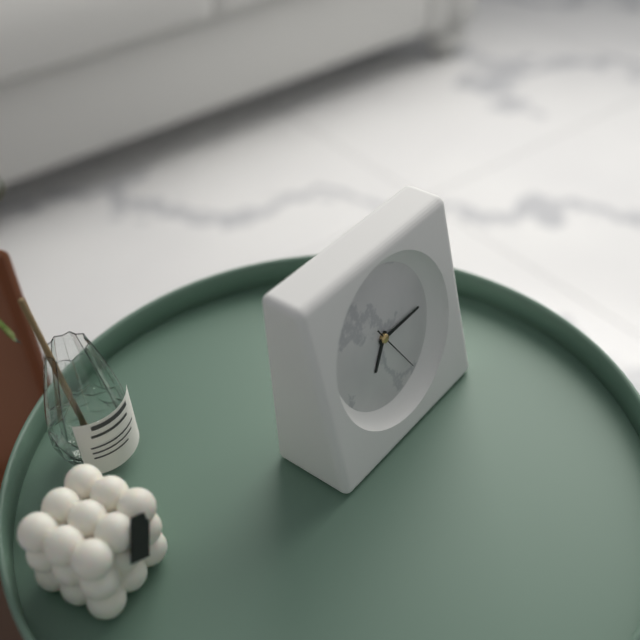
7:15
